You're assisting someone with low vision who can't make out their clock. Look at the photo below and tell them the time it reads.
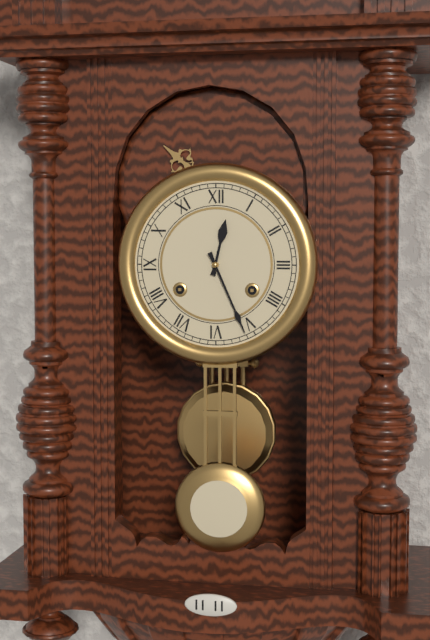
12:26
